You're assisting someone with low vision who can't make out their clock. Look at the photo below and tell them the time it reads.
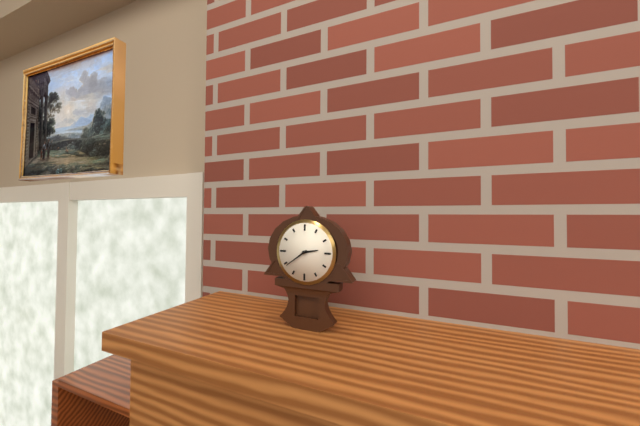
2:39
